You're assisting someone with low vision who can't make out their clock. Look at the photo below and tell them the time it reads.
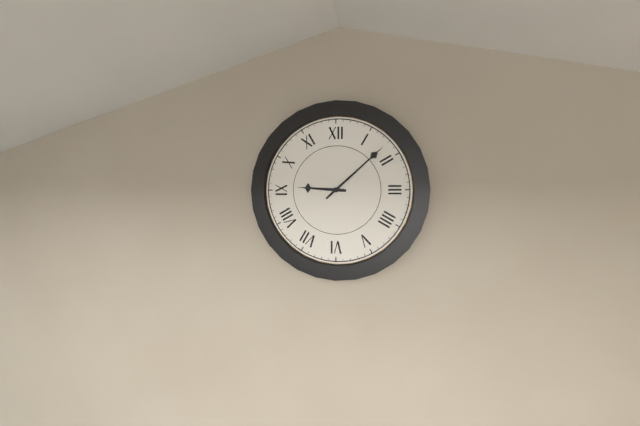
9:08
